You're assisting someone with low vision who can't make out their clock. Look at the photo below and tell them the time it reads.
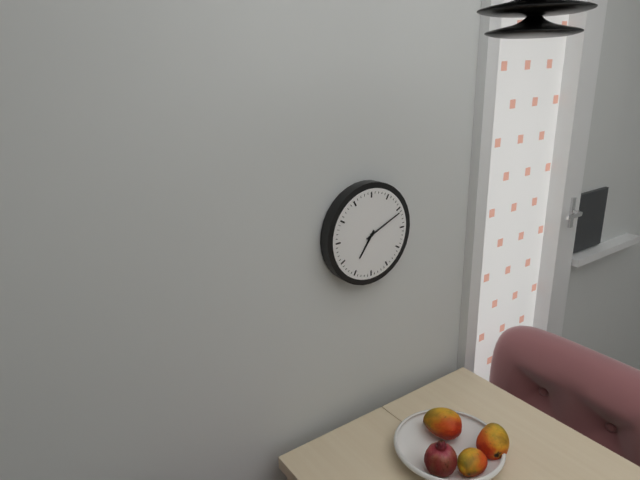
7:11
